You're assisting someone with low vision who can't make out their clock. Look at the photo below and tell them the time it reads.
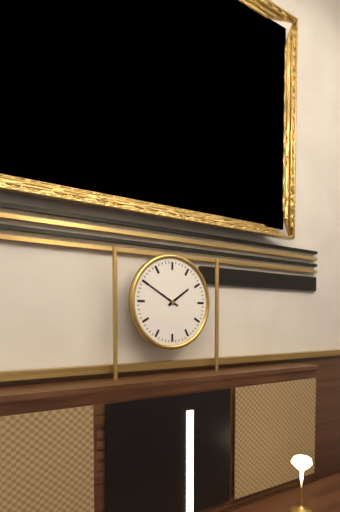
1:50
